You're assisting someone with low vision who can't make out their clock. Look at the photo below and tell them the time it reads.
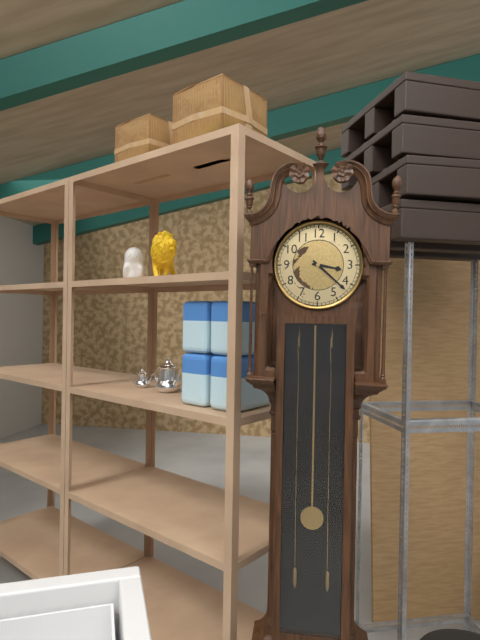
3:22
